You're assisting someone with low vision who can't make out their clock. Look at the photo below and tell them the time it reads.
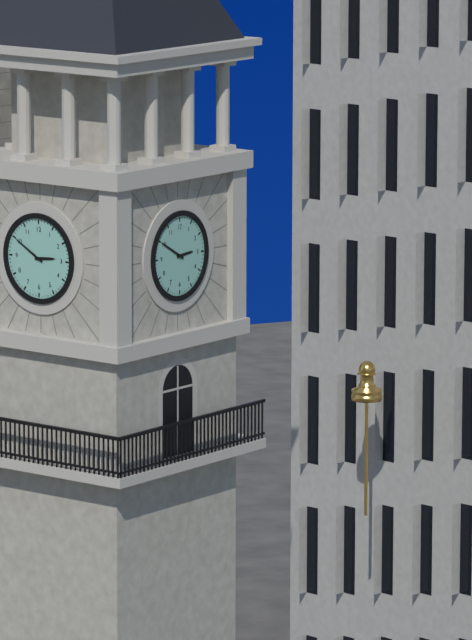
2:50
